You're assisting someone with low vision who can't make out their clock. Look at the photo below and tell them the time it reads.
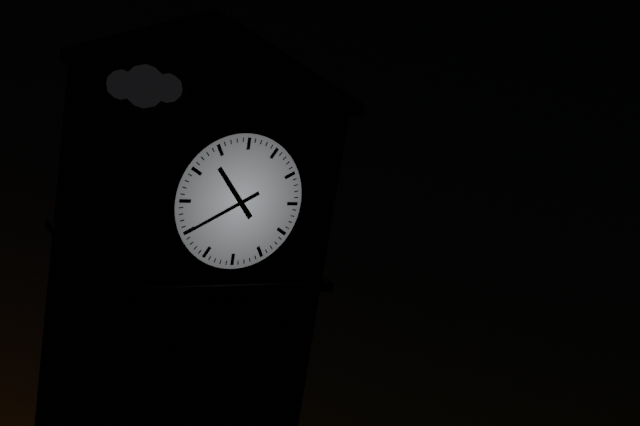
10:40
